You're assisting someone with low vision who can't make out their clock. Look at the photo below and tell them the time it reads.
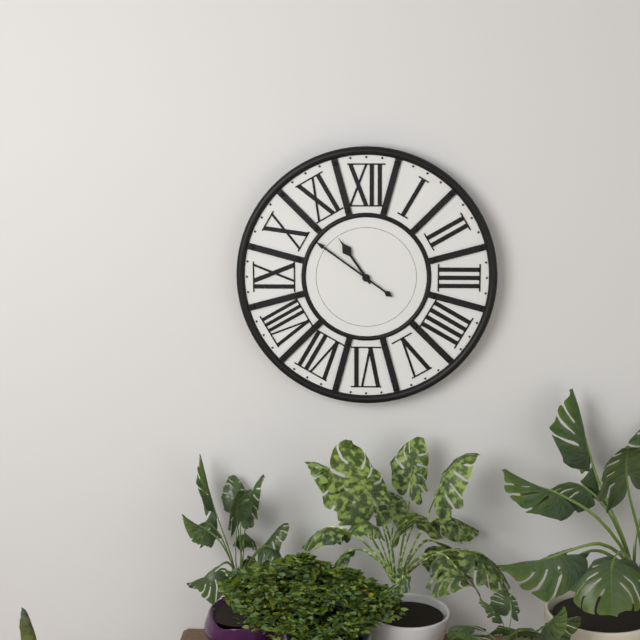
10:51
